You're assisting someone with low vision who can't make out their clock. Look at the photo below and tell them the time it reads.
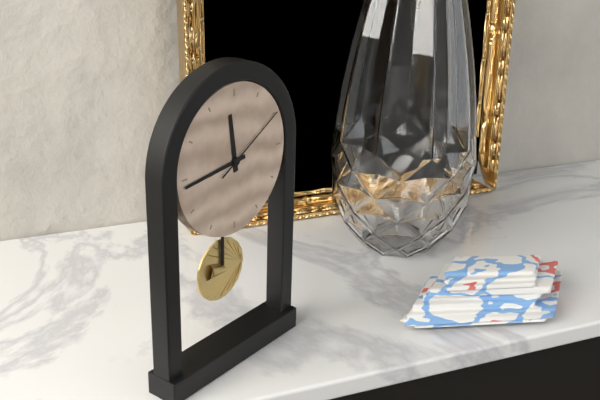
11:44:10
